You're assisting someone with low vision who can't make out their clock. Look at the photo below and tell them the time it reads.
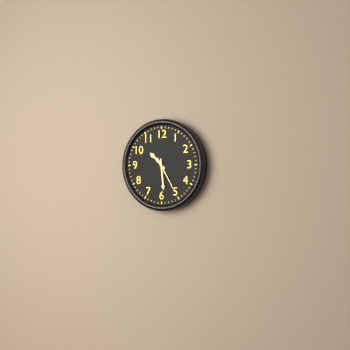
10:29
